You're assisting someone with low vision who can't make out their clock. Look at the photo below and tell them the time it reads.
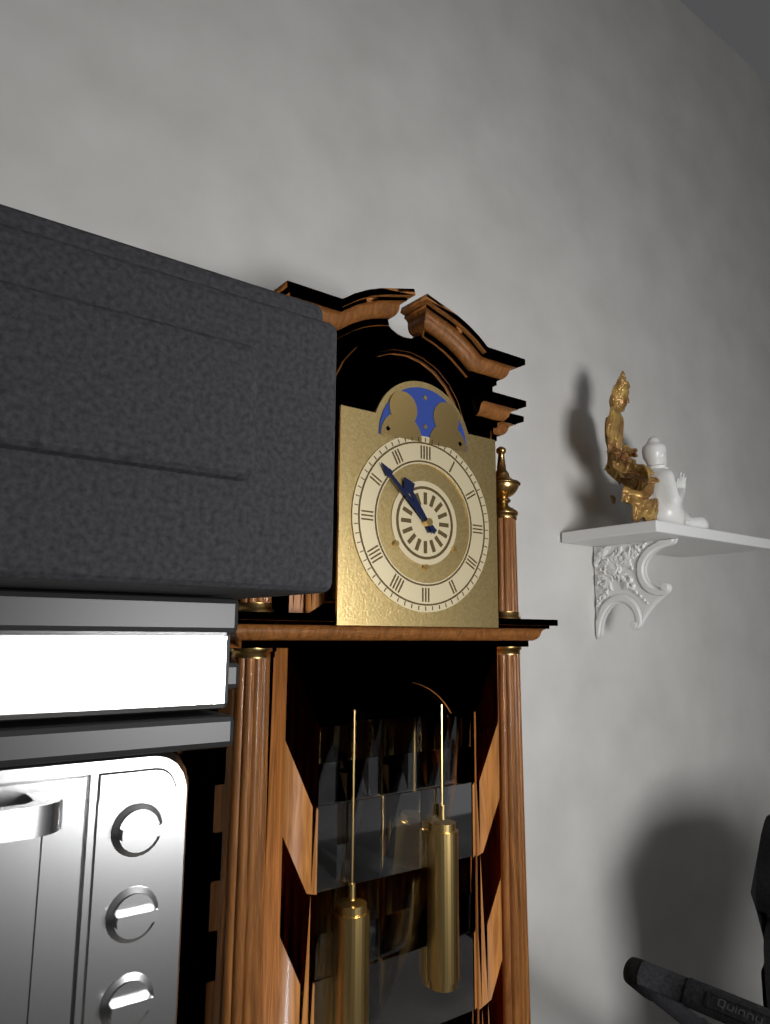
10:52
